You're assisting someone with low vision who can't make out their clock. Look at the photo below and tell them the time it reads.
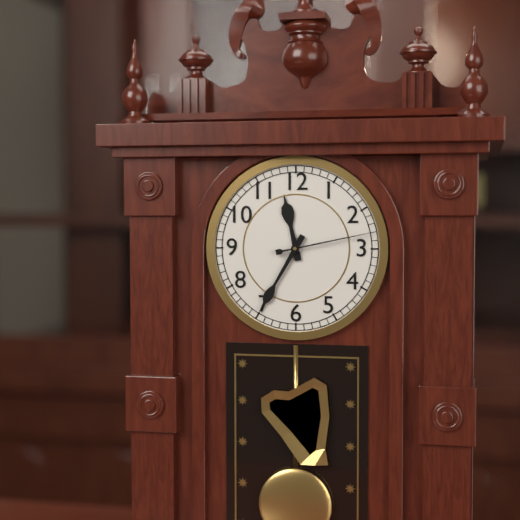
11:35:13
